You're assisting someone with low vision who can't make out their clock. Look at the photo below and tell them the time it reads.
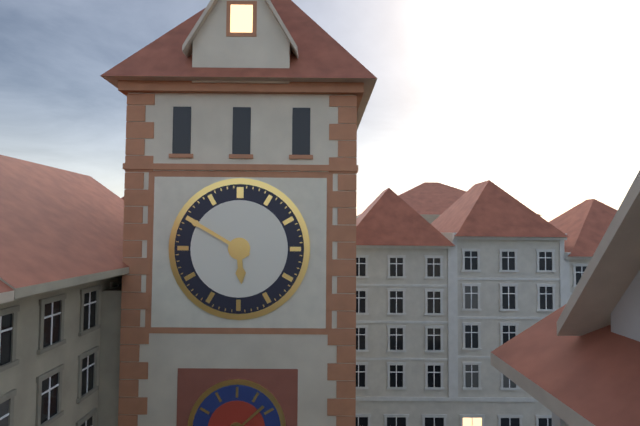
5:50
